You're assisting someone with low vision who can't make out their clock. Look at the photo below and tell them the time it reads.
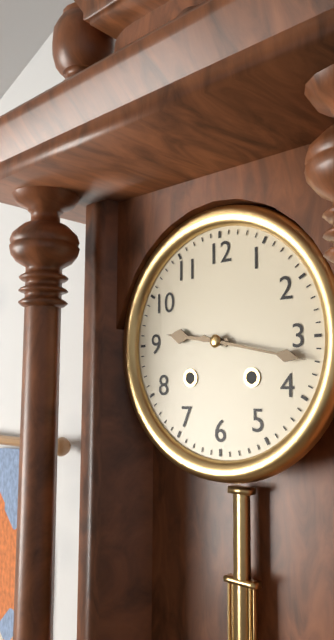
9:17
